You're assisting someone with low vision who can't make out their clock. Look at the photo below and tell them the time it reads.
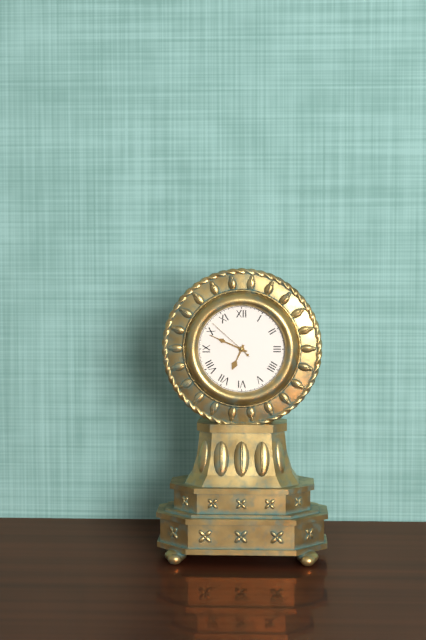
6:49
